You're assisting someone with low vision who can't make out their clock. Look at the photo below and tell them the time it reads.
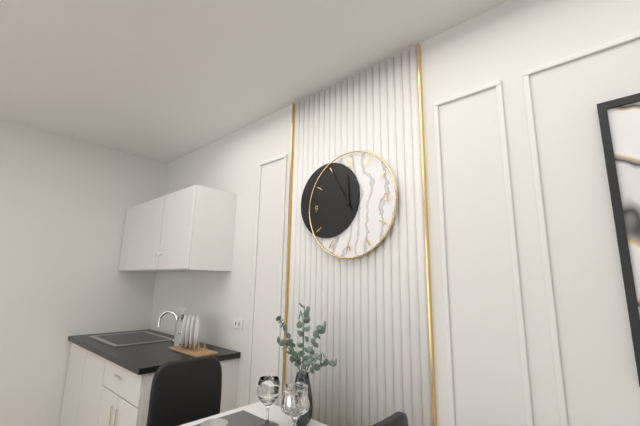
11:55
